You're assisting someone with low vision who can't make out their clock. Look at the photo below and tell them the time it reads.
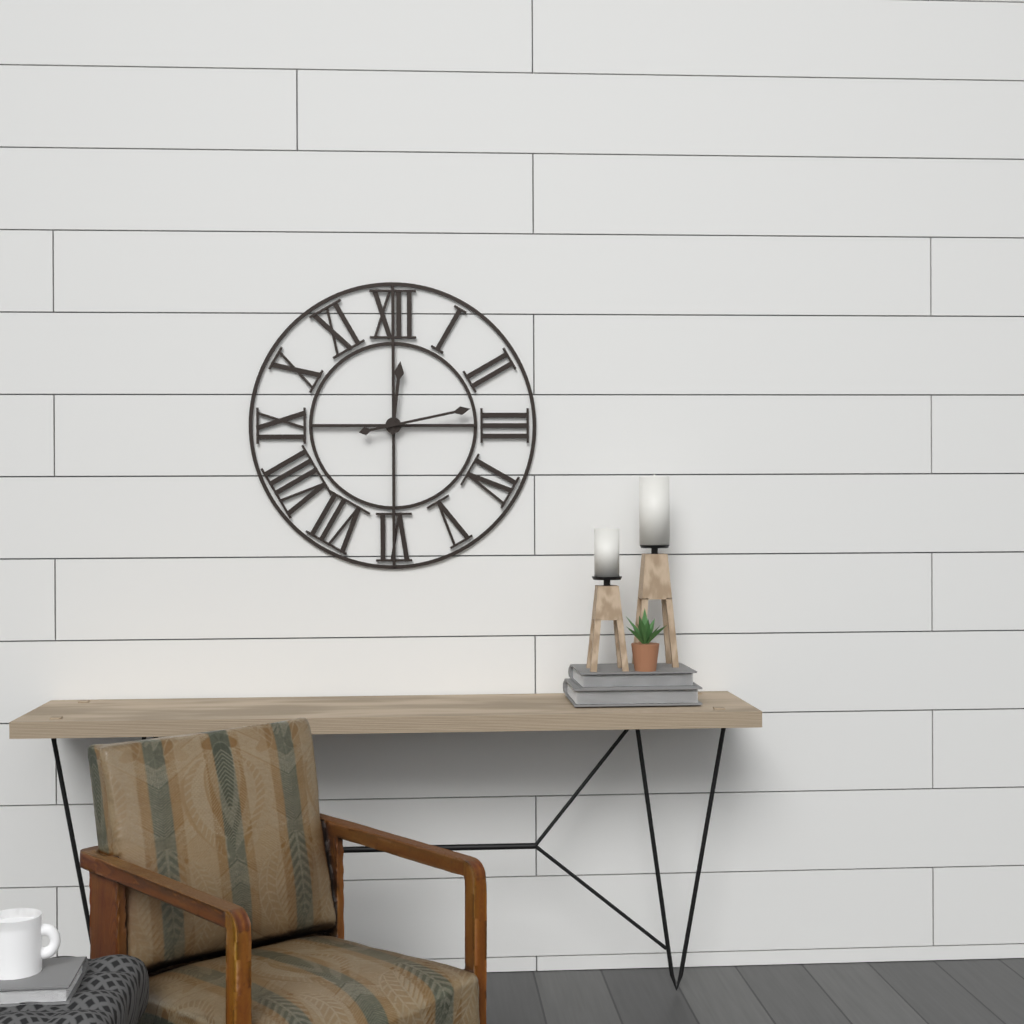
12:13
